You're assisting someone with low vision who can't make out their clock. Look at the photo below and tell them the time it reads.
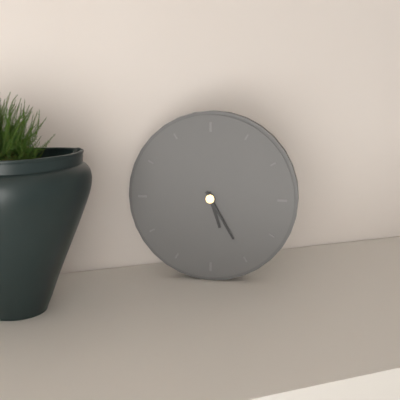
5:25
